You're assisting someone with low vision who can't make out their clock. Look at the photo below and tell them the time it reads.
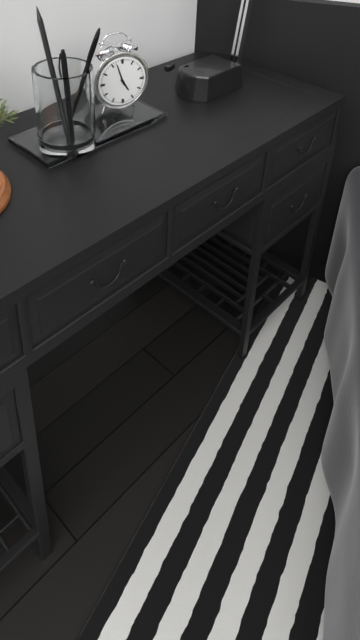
4:57
